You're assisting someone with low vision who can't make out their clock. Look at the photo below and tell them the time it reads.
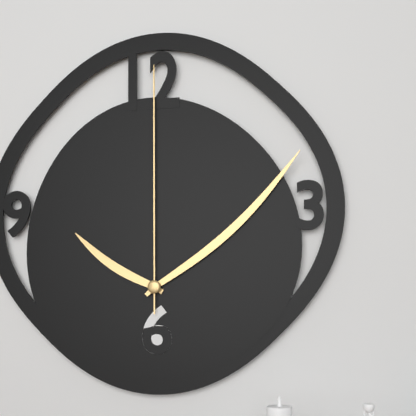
10:08:00
